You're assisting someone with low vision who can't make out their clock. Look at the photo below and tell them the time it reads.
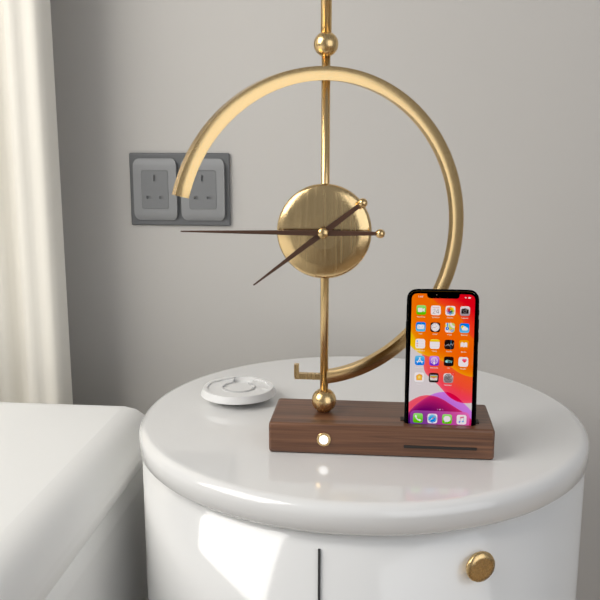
7:45
